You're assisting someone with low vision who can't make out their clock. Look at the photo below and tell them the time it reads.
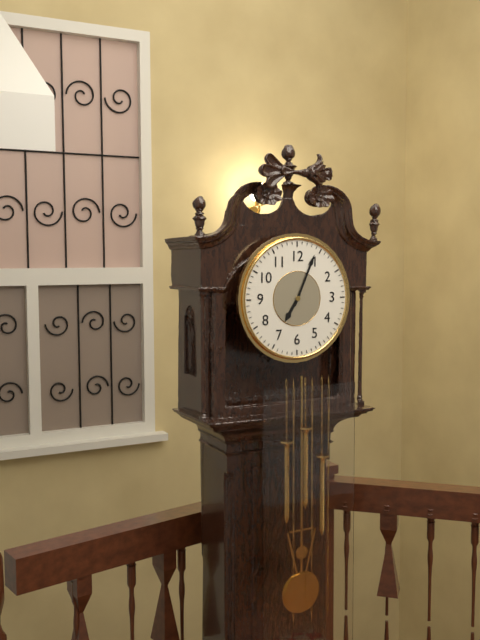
7:04
